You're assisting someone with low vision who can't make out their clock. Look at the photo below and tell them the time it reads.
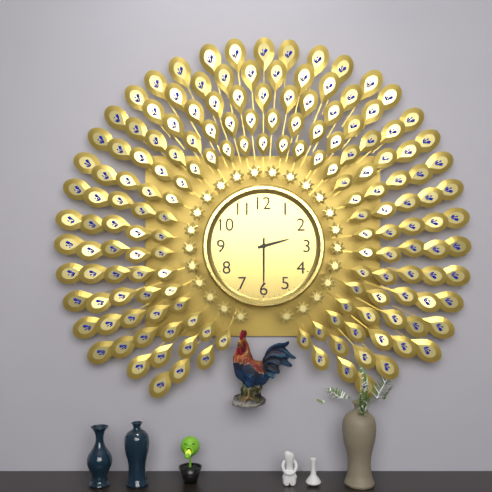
2:30
